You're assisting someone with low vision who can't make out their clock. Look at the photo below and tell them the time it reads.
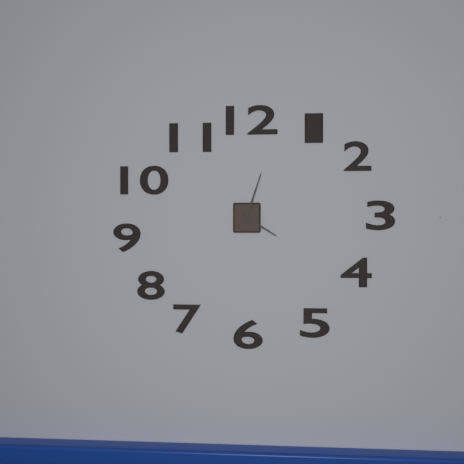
4:03
